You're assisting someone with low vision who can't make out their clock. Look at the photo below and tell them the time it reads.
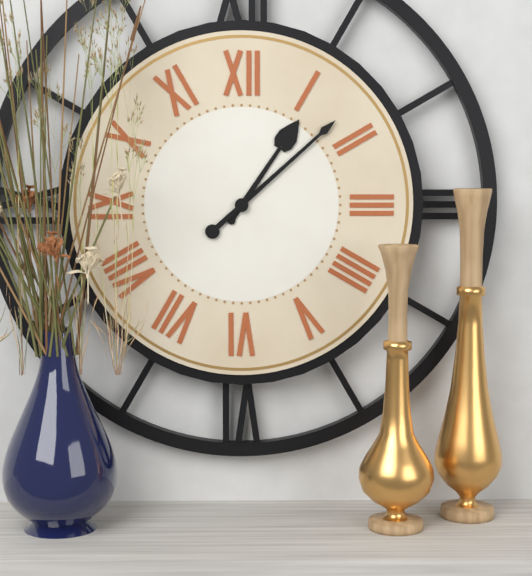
1:08
